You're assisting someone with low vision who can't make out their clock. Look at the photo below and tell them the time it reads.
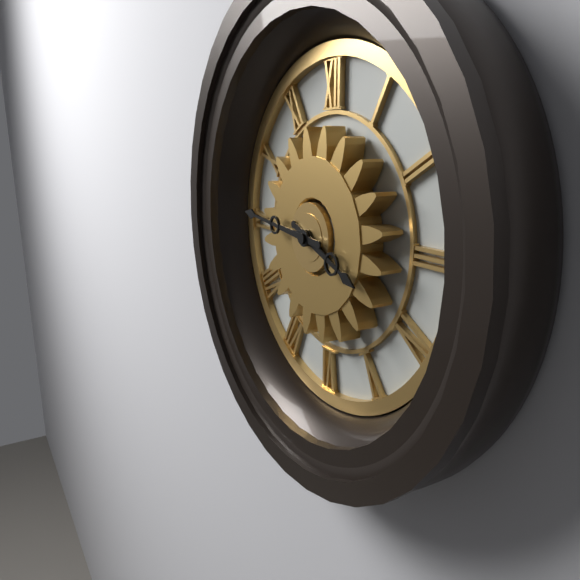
3:46
